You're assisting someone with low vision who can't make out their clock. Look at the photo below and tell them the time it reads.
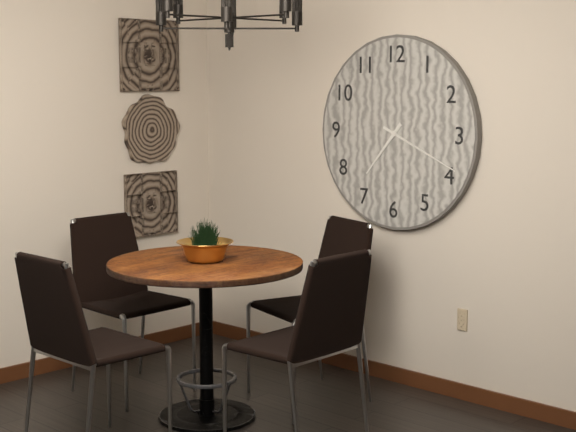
7:19
